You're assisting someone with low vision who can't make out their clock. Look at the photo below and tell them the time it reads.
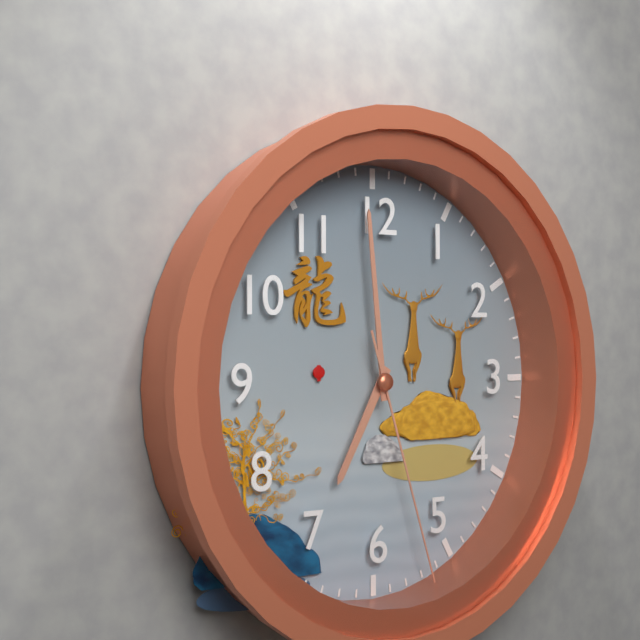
6:59:27
